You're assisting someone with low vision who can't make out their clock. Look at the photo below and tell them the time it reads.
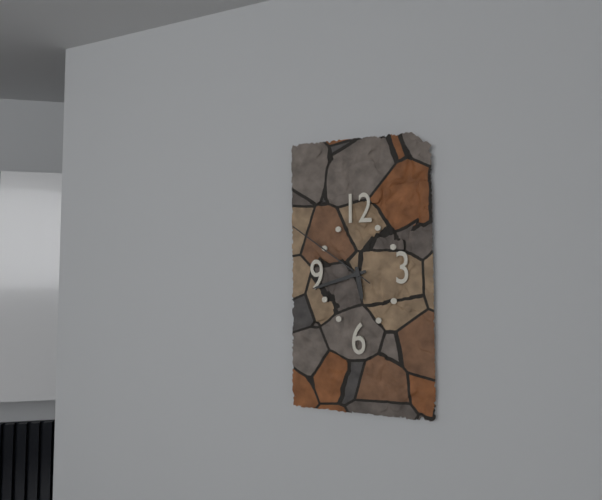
5:42:51
